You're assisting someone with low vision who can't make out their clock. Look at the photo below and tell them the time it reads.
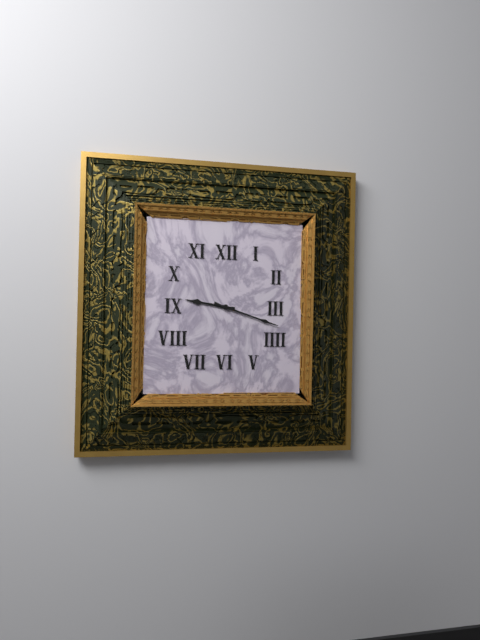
9:18
